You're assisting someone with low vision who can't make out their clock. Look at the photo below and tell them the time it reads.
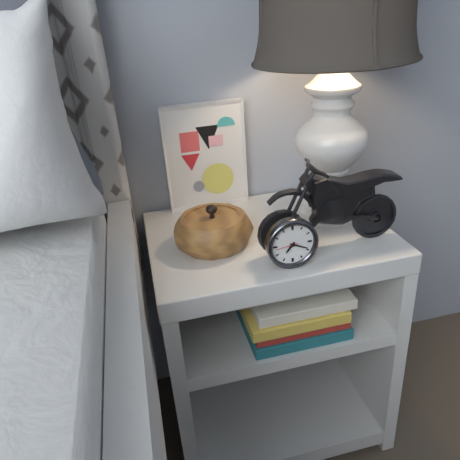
7:19
